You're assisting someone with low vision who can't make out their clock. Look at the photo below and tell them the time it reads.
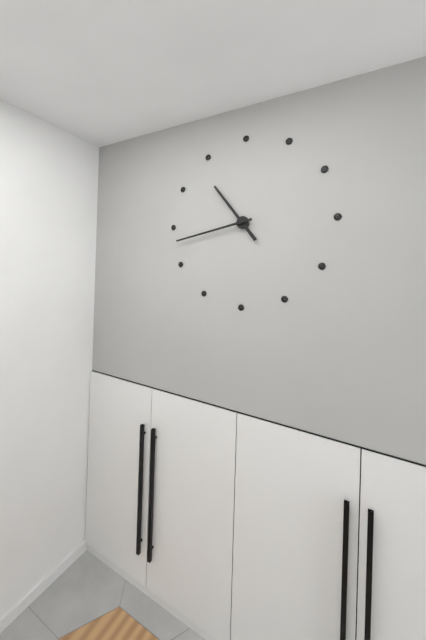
10:43
